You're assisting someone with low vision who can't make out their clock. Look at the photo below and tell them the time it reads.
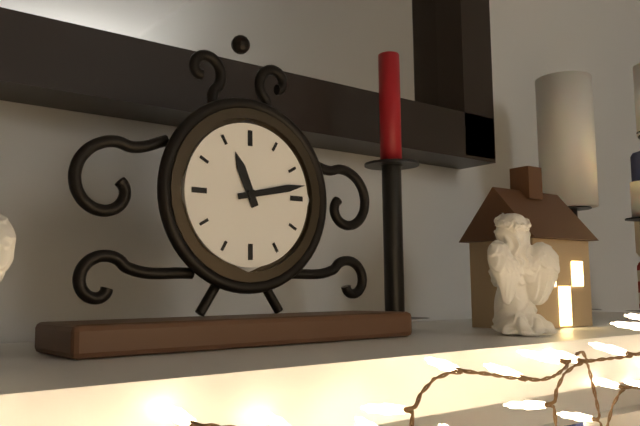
11:13
